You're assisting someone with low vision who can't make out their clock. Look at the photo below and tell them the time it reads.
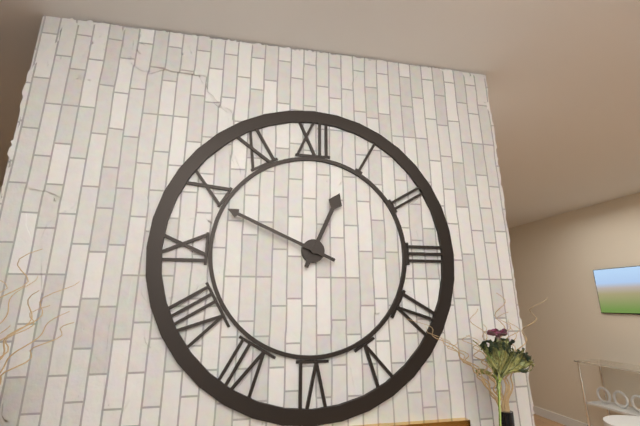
12:49
